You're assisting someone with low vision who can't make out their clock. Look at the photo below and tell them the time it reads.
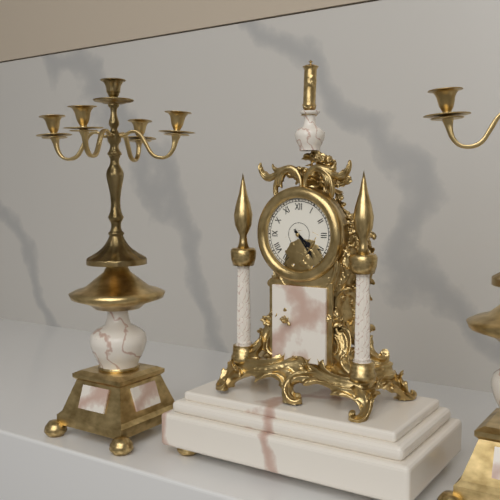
4:24
